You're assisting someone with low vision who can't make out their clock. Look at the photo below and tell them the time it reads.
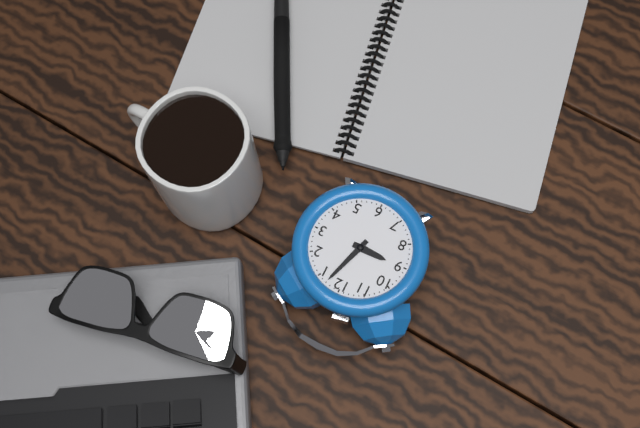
9:03
